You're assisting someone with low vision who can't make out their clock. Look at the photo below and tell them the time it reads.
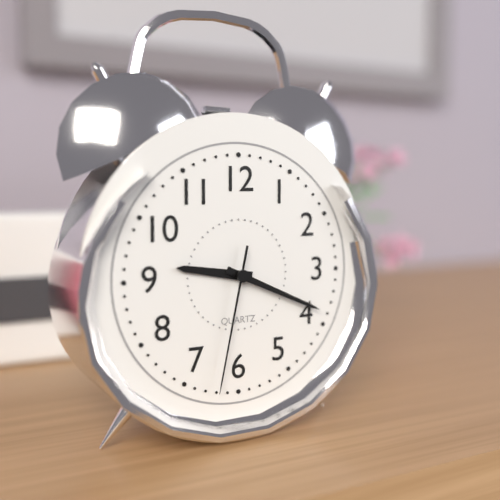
9:19:32
